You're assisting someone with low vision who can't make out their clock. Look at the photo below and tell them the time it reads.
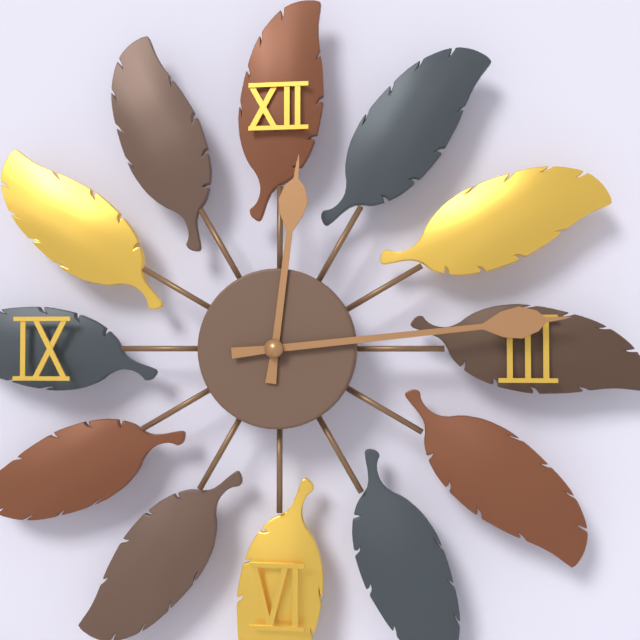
12:14
